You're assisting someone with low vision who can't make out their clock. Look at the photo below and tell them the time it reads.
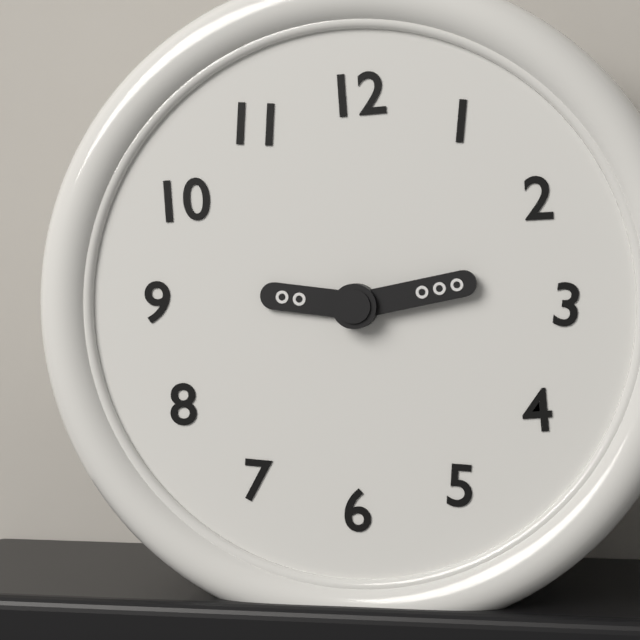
9:13
